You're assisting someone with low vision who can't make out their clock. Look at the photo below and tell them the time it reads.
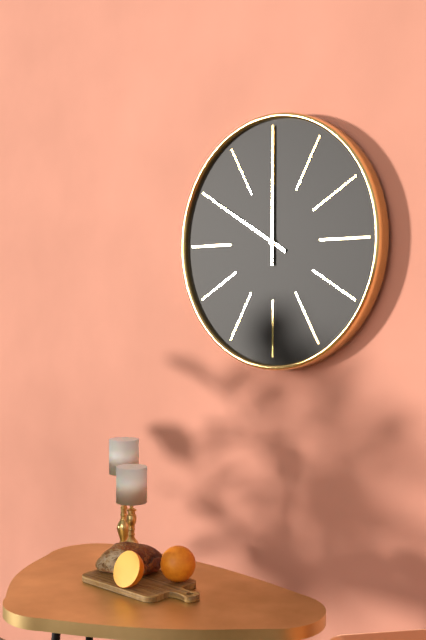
10:00
